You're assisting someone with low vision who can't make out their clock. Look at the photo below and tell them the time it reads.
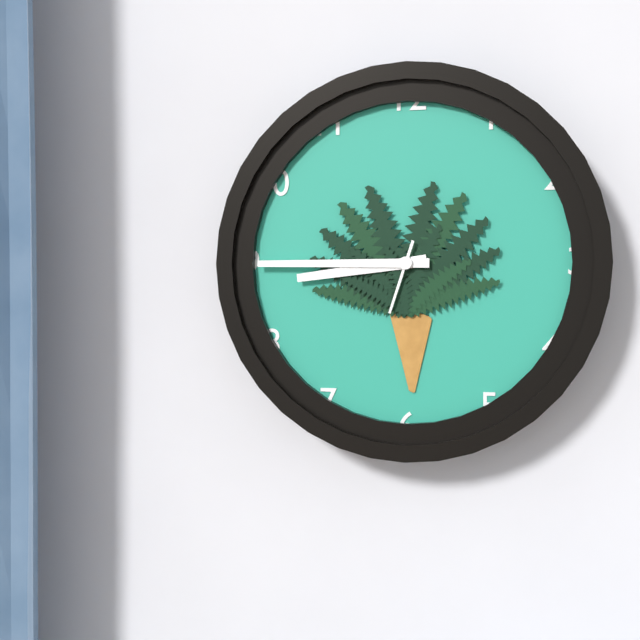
8:45:33
